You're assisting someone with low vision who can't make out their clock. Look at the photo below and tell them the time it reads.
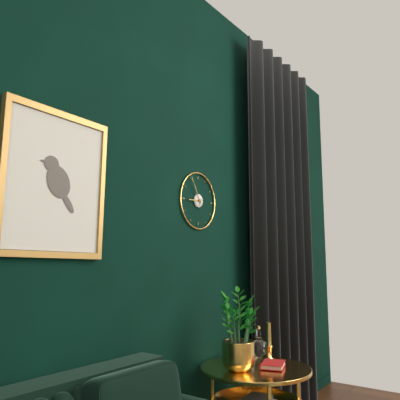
8:55
